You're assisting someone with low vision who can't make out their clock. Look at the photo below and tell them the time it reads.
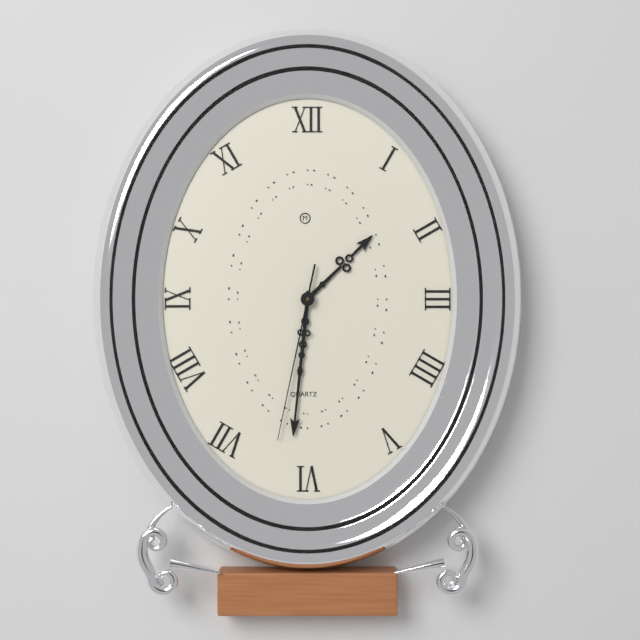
1:31:32
